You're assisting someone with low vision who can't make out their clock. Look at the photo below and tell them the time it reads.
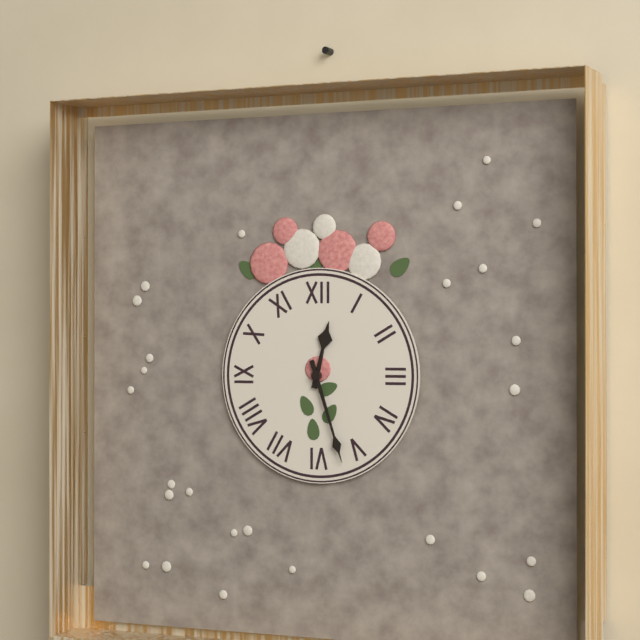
12:27
